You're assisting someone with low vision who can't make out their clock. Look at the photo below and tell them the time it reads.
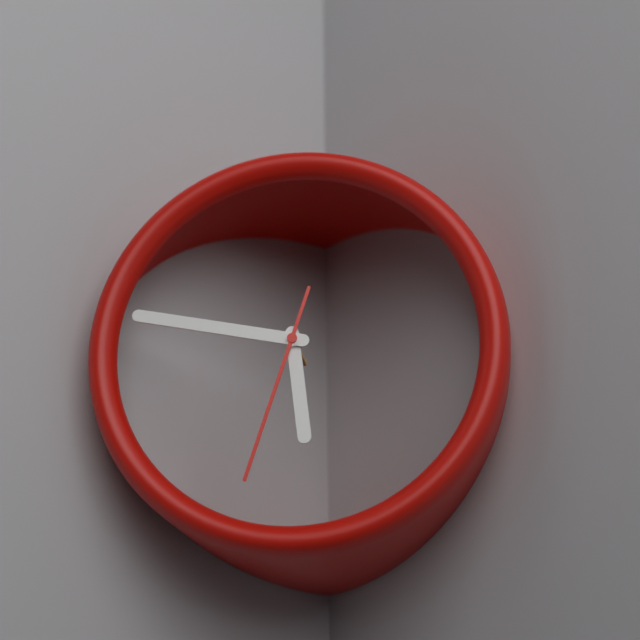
5:47:33
